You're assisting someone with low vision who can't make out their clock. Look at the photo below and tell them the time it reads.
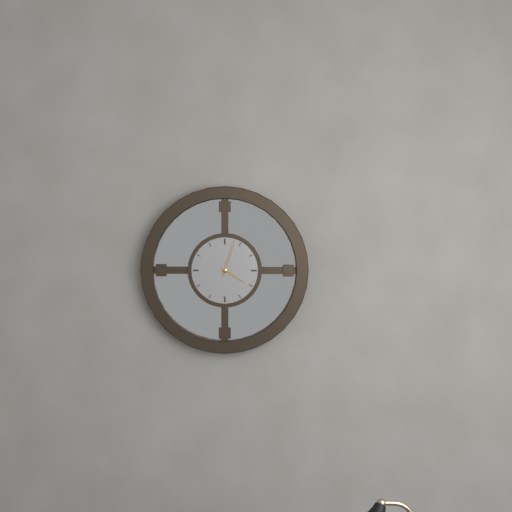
4:03
